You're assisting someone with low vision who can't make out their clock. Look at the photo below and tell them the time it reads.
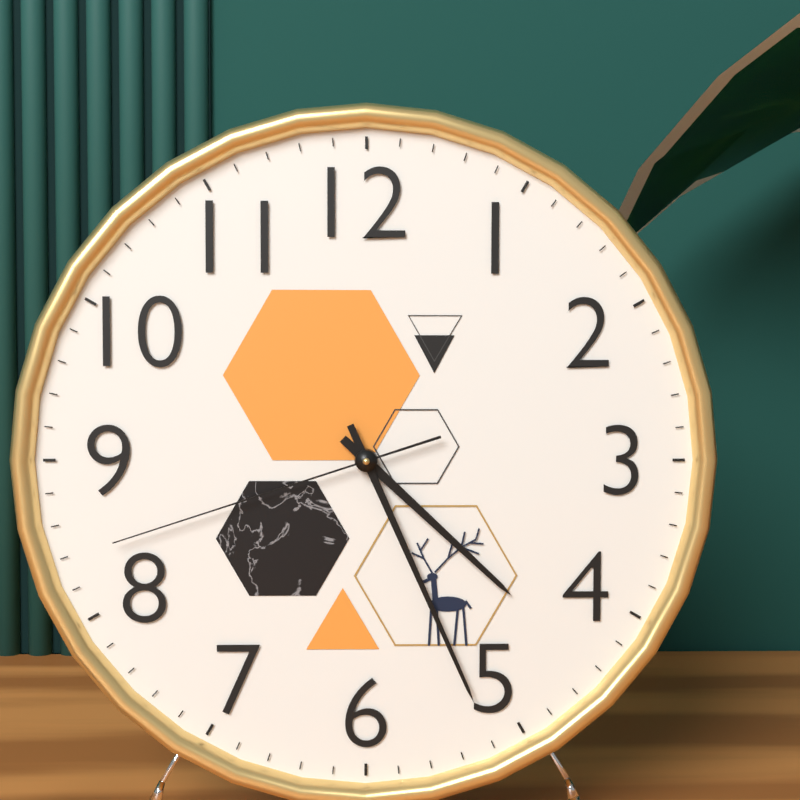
4:26:42
